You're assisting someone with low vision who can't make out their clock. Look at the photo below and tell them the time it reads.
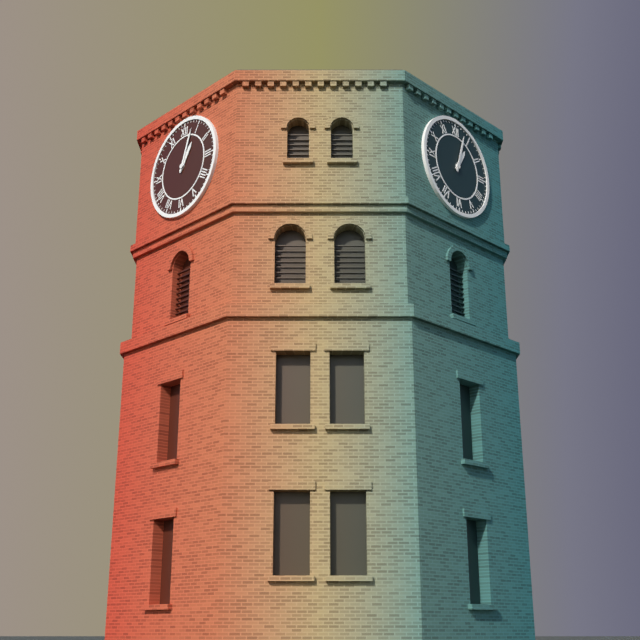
1:03
